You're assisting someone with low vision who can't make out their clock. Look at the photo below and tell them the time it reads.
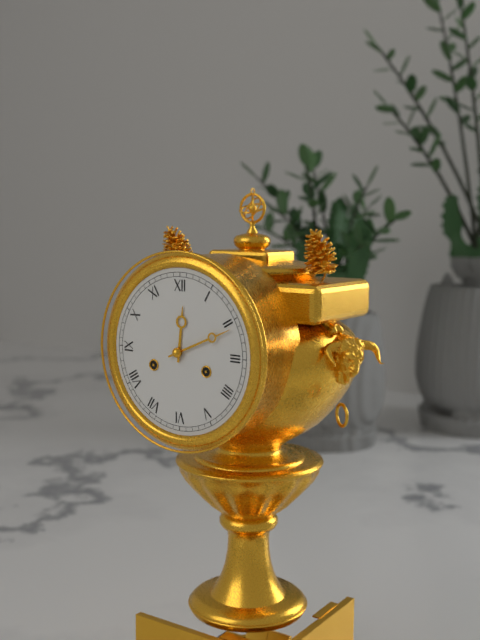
12:11
